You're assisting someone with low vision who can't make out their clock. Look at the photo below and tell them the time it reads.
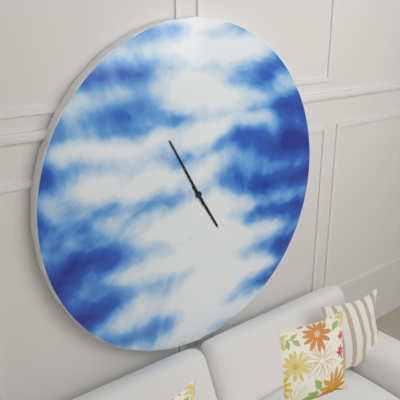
4:55
